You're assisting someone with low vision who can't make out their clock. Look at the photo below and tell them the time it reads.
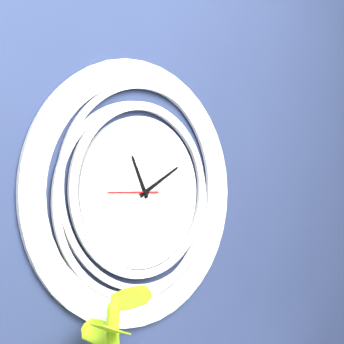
11:10:45
